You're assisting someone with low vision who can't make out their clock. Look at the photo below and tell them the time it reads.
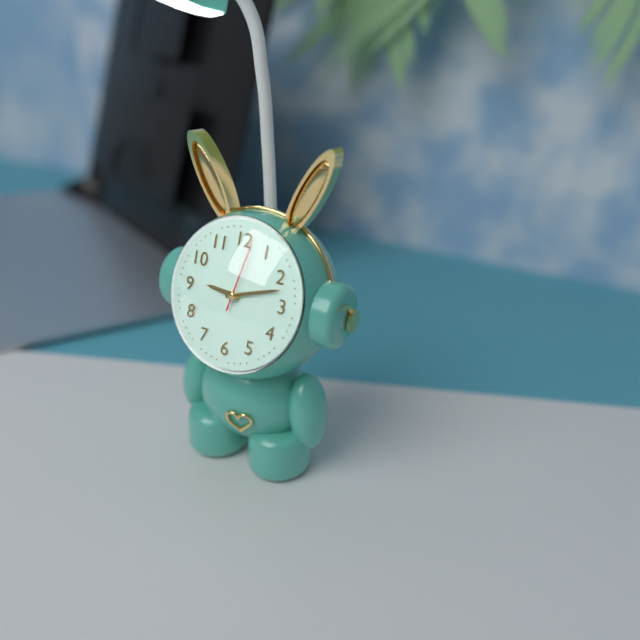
9:12:02
